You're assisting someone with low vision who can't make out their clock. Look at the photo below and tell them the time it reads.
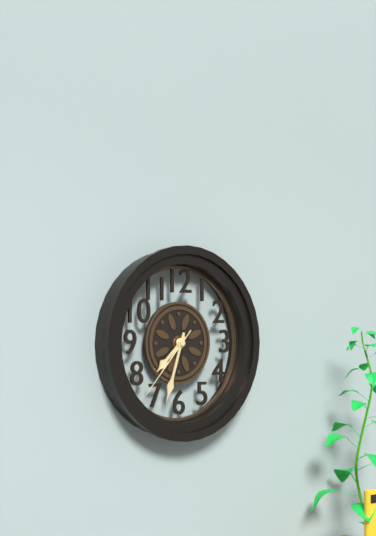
7:33:37
